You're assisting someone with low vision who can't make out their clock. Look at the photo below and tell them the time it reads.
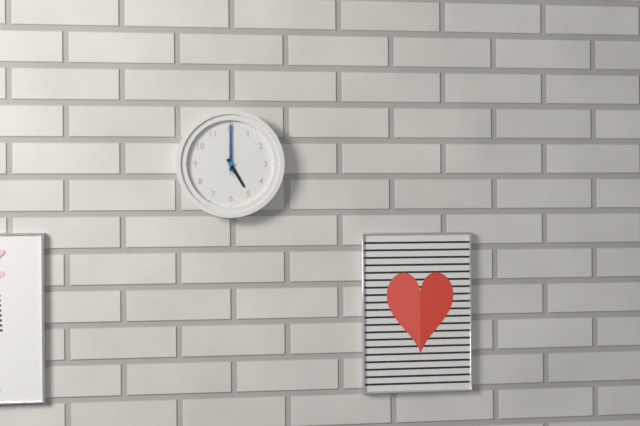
5:00:00
